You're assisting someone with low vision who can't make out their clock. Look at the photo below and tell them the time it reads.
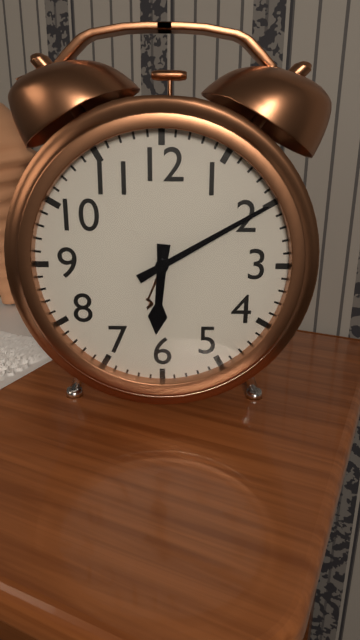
6:10
